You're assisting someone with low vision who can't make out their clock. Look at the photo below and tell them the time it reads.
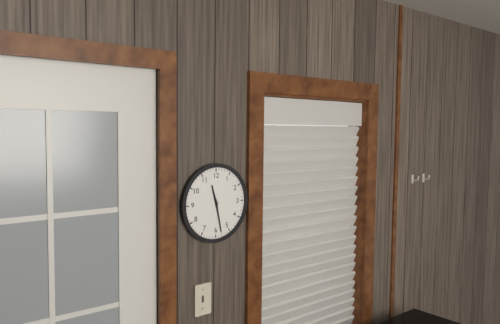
11:28
